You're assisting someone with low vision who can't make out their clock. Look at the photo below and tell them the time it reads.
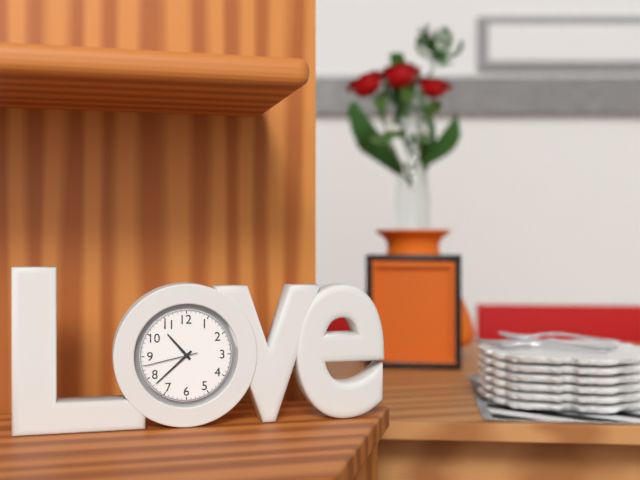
10:38:43
